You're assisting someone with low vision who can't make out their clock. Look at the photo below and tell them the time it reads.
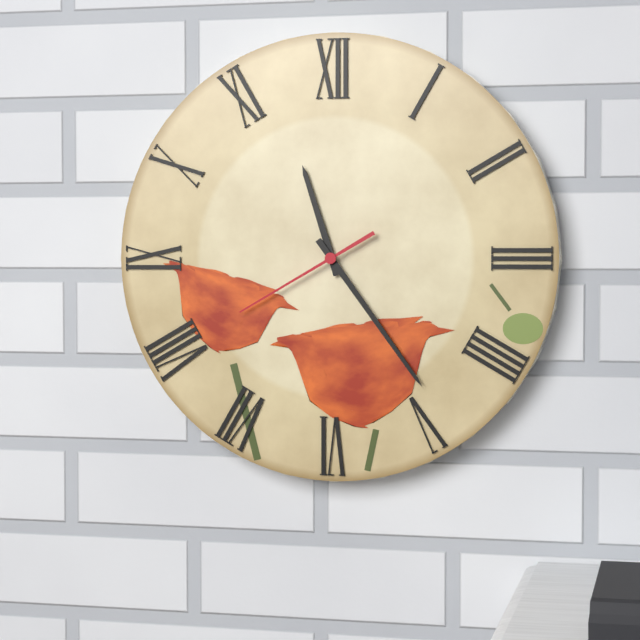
11:24:40
